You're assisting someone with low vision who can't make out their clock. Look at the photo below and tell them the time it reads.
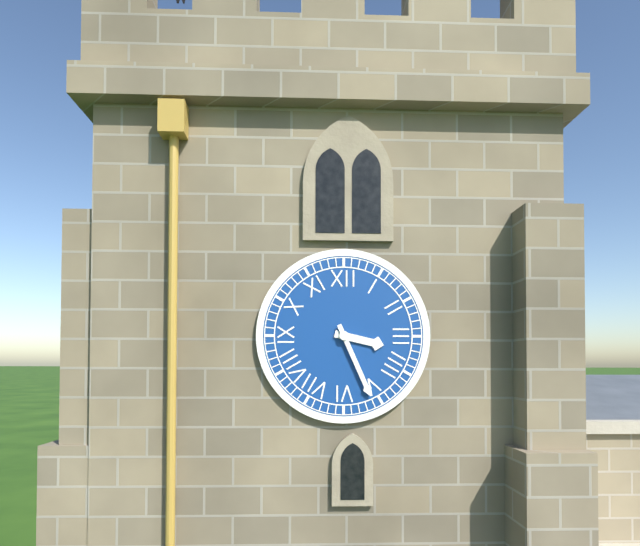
3:26
